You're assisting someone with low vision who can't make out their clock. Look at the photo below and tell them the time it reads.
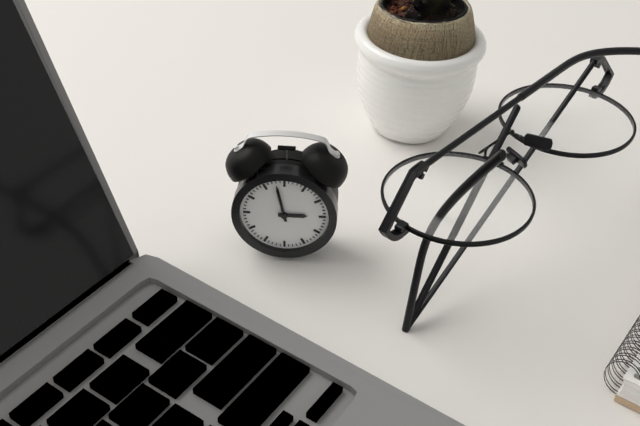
2:58
